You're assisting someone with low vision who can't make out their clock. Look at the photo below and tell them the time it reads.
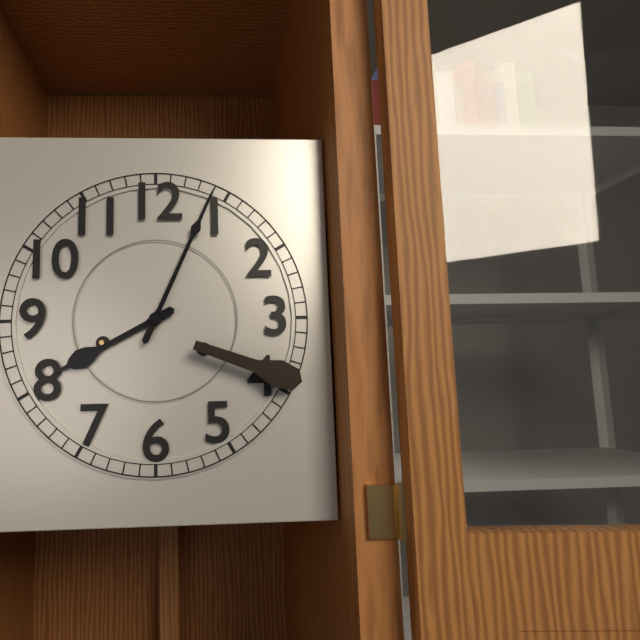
8:04
